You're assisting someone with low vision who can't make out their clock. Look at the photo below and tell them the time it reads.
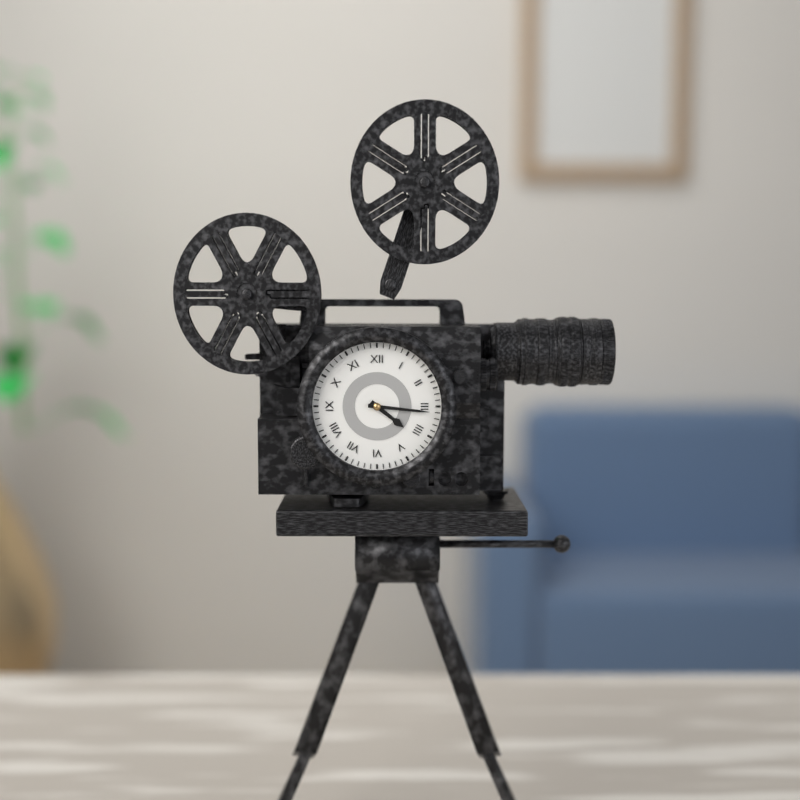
4:16
